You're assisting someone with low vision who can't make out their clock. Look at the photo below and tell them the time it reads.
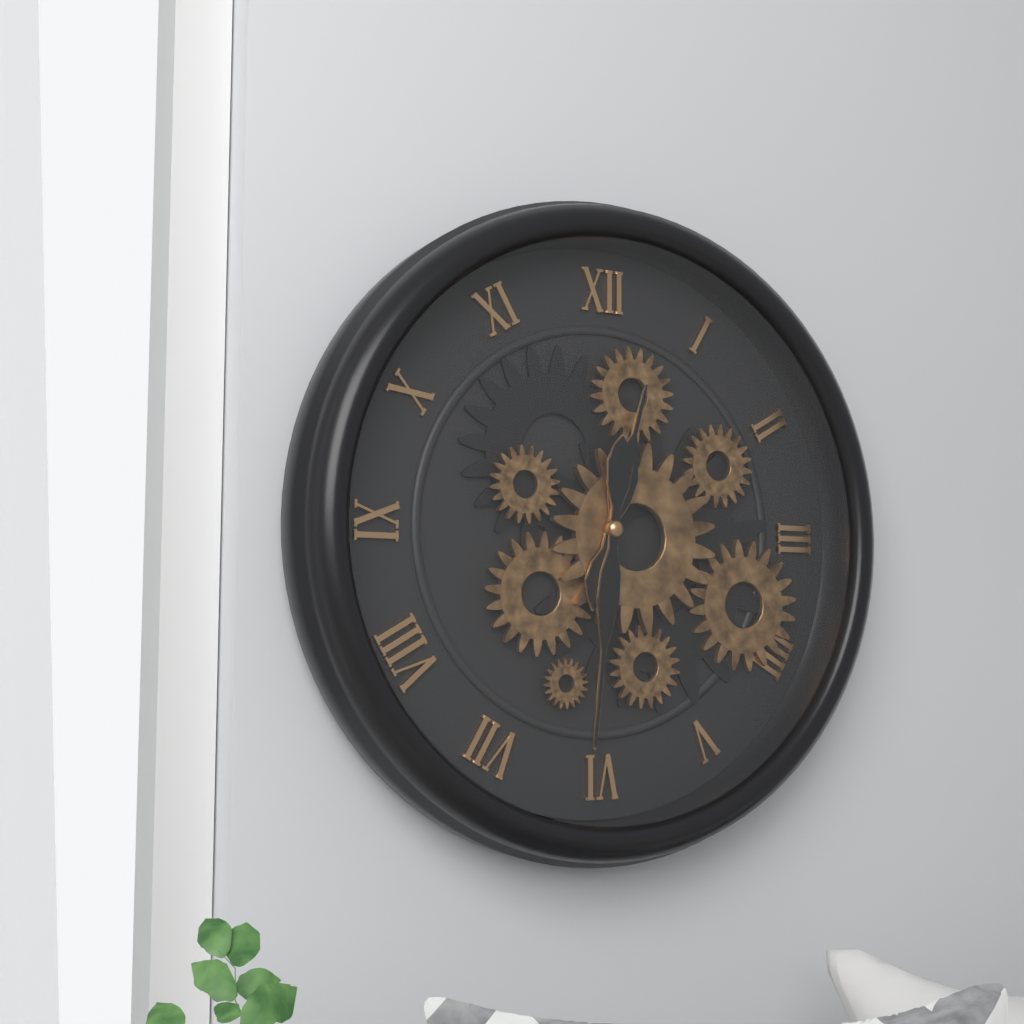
12:31
